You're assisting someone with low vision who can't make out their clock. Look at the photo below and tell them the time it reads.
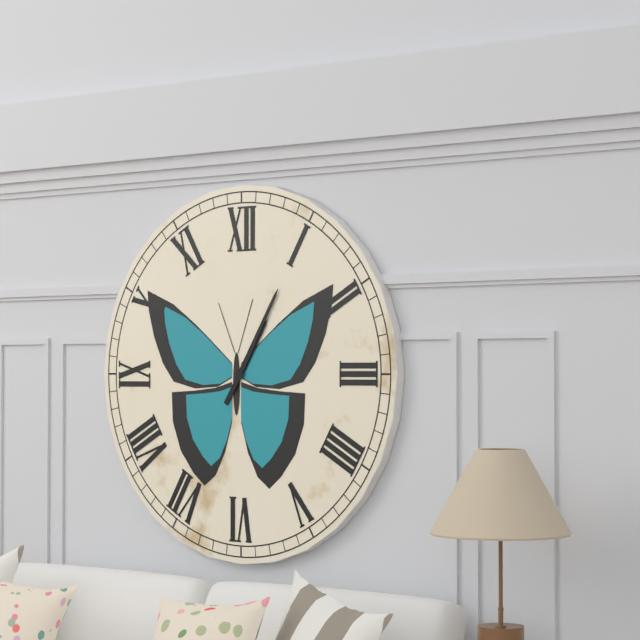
1:05
